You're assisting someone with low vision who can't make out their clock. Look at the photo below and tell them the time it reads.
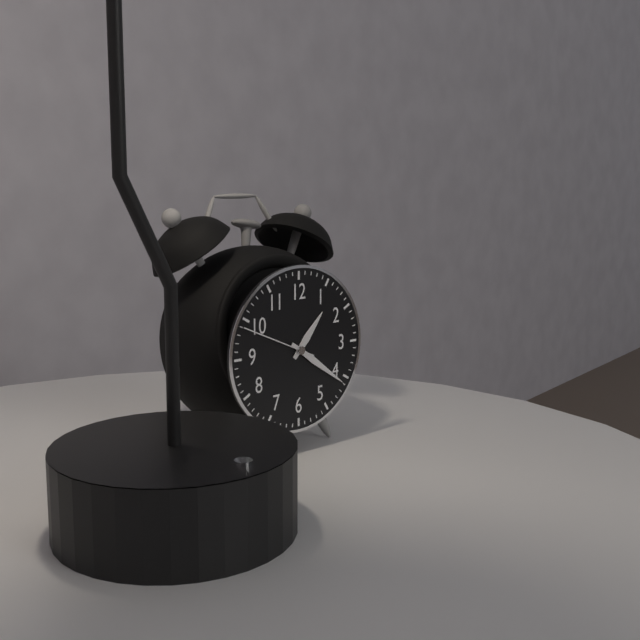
1:21:49
